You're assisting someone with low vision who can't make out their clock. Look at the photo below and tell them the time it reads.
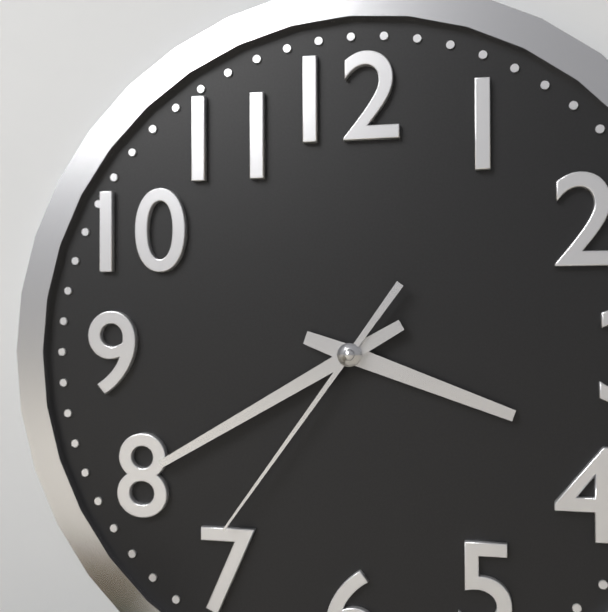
3:40:36
